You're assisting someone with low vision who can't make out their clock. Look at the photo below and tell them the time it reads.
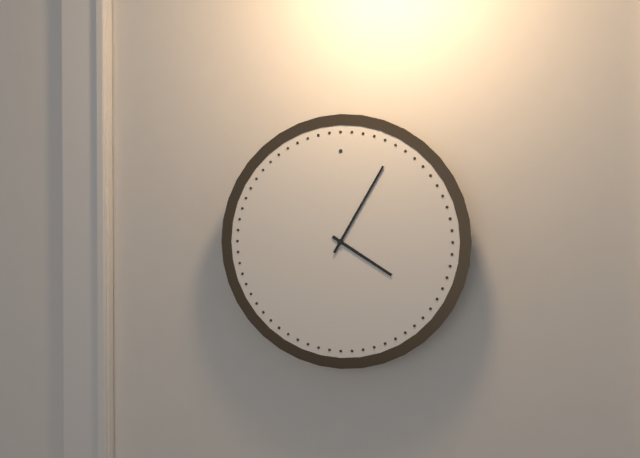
4:05
